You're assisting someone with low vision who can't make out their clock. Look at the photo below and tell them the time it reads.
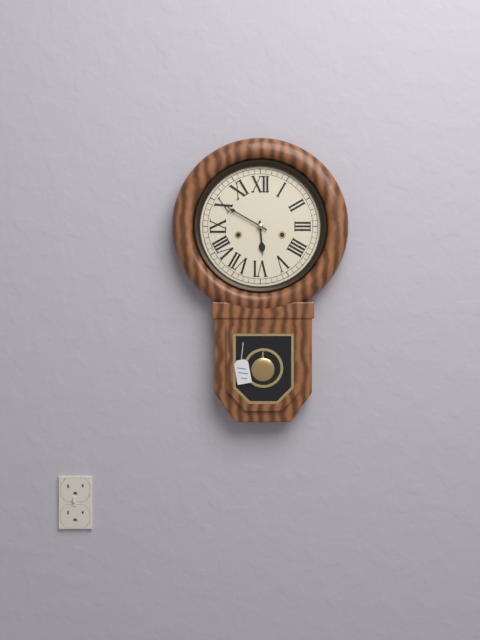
5:50
